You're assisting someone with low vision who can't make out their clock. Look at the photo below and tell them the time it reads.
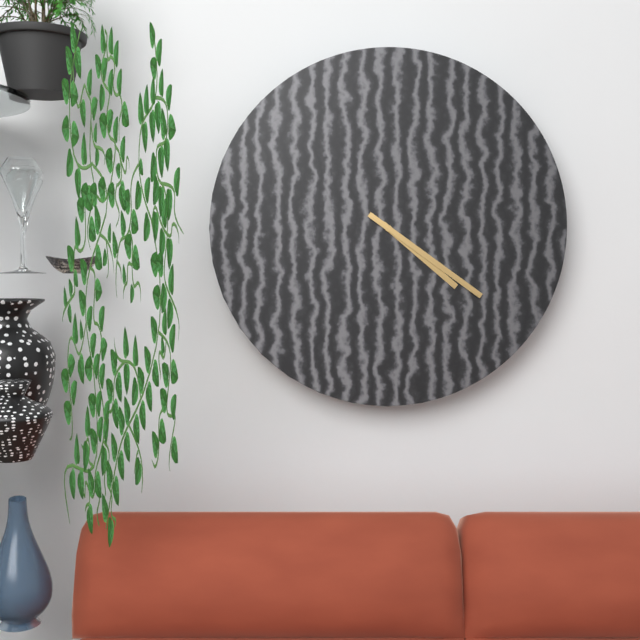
4:21
